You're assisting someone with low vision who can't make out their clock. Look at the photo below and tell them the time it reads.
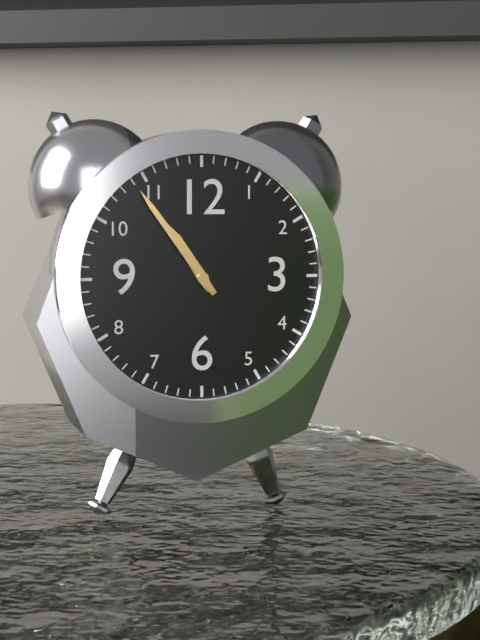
10:54
